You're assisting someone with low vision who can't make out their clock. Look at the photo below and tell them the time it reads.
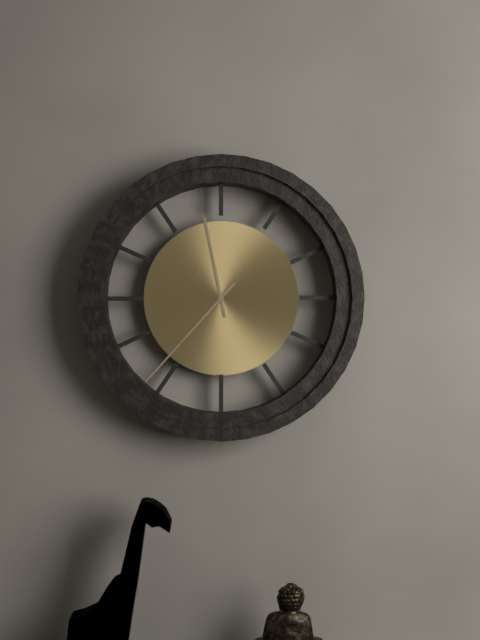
11:37
